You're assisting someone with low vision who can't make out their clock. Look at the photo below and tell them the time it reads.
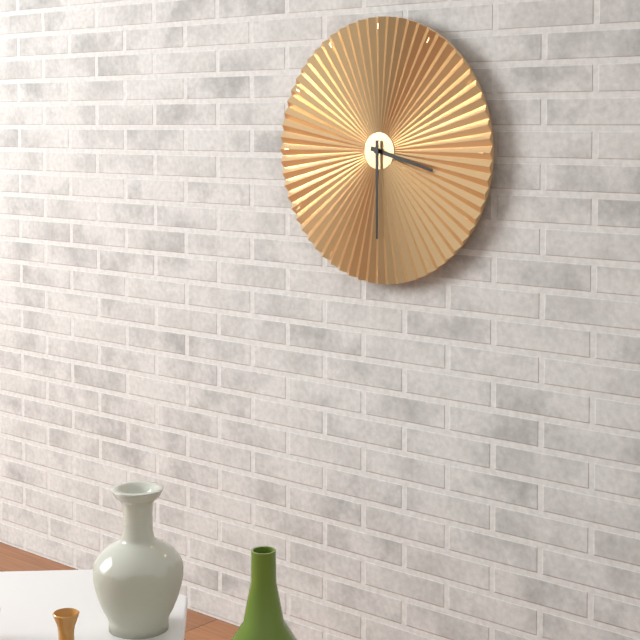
3:30
